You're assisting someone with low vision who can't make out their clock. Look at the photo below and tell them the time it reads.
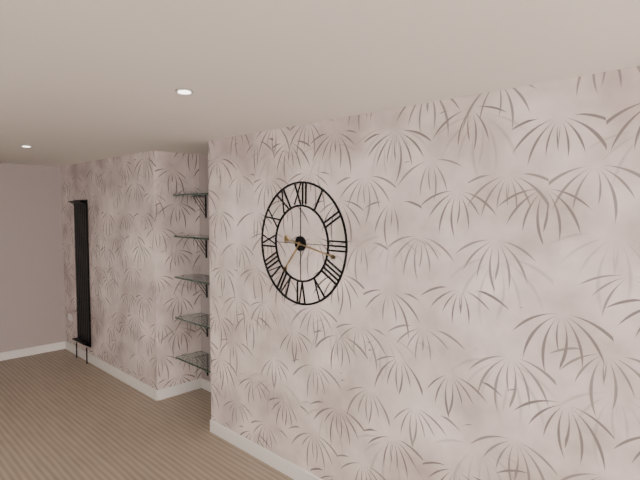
7:17
